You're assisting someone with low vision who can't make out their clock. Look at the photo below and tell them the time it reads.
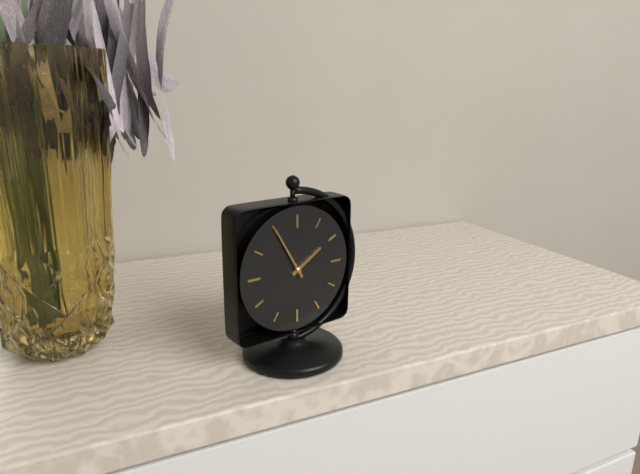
1:55
